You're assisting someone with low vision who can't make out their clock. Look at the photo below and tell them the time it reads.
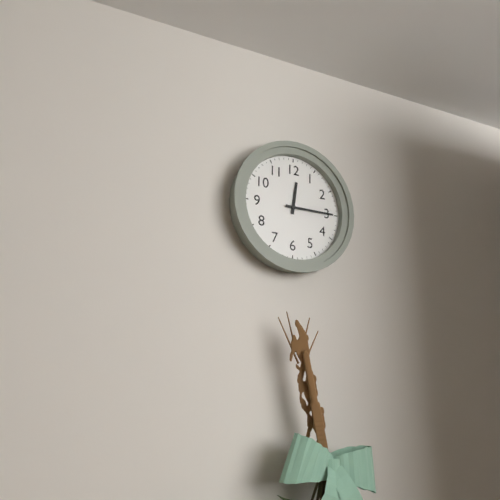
12:15
